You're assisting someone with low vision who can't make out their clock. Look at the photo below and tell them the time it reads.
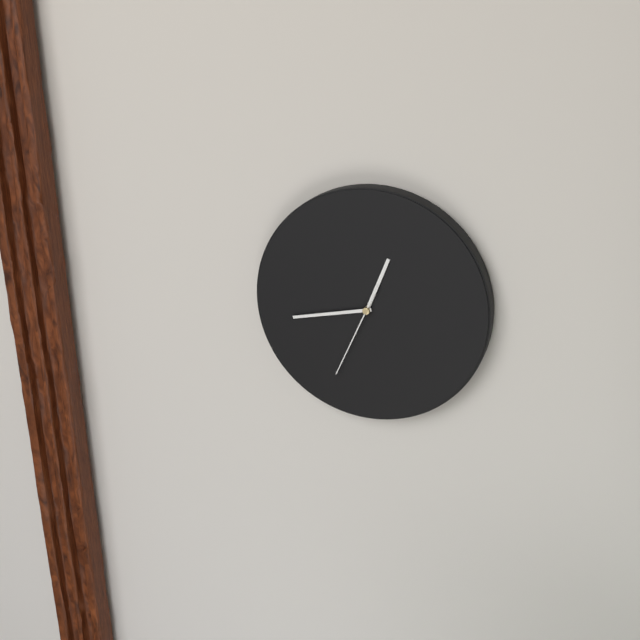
12:43:34
